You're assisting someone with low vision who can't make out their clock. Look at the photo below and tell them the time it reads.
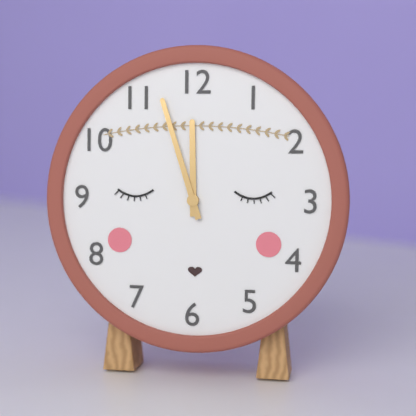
11:57
